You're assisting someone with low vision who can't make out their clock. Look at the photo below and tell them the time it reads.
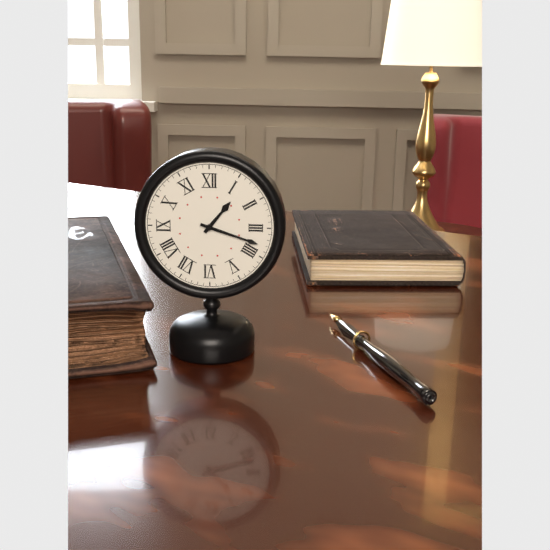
1:18
